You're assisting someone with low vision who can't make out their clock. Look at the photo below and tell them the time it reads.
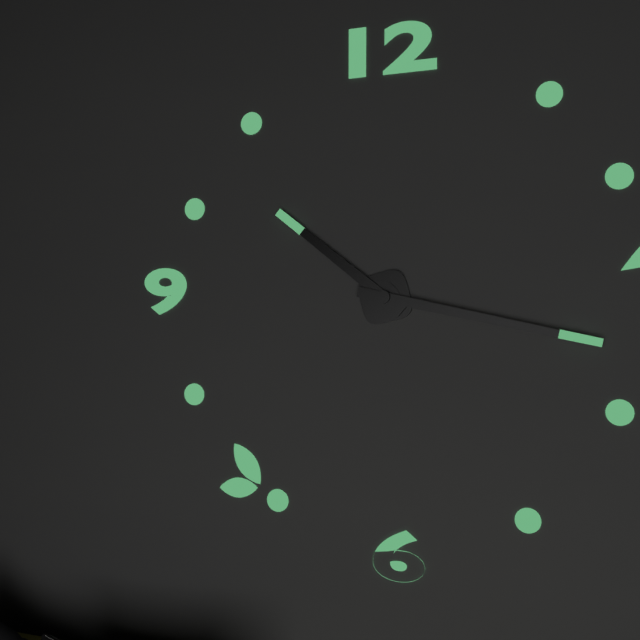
10:17
